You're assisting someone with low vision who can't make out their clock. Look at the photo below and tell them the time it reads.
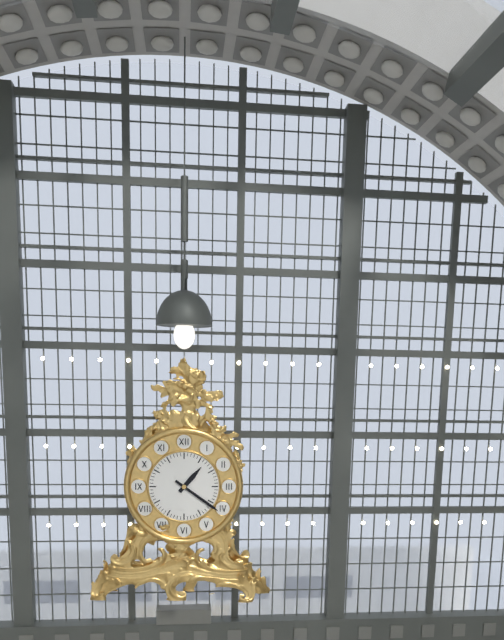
1:21
